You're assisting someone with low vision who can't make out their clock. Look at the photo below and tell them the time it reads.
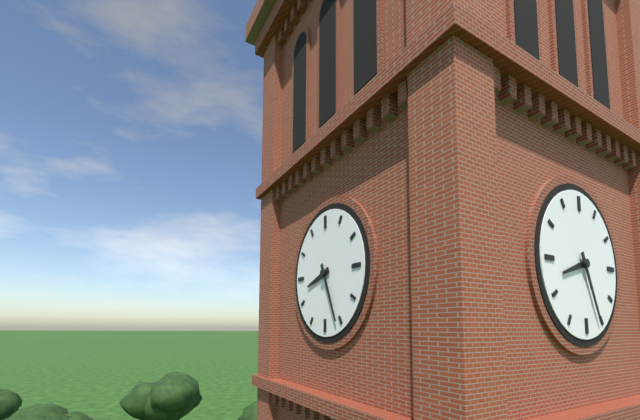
8:26
